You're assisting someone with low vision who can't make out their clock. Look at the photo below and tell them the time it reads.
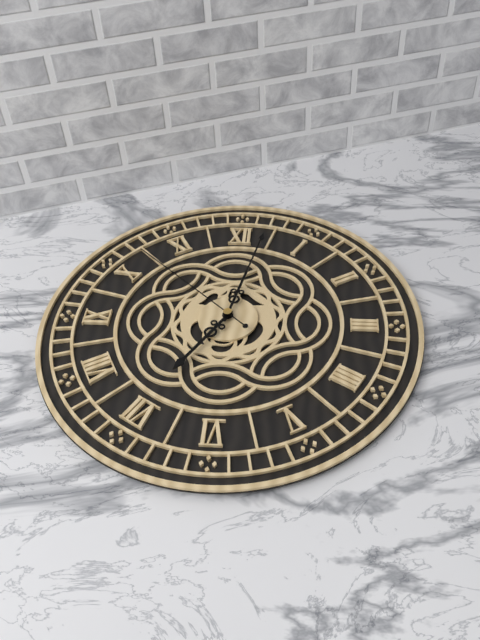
7:02:52
